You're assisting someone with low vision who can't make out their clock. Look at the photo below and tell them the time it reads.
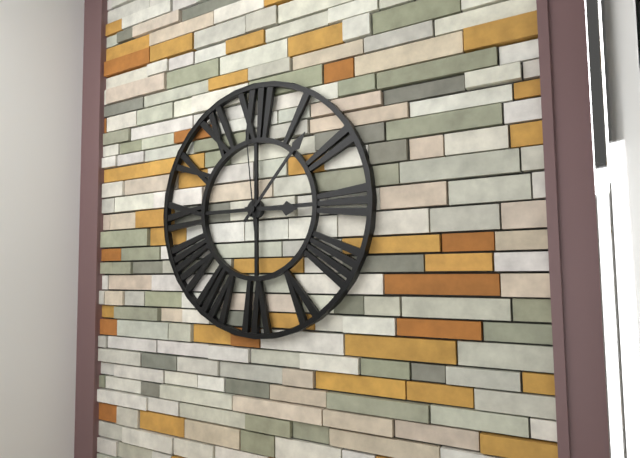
3:07:59
